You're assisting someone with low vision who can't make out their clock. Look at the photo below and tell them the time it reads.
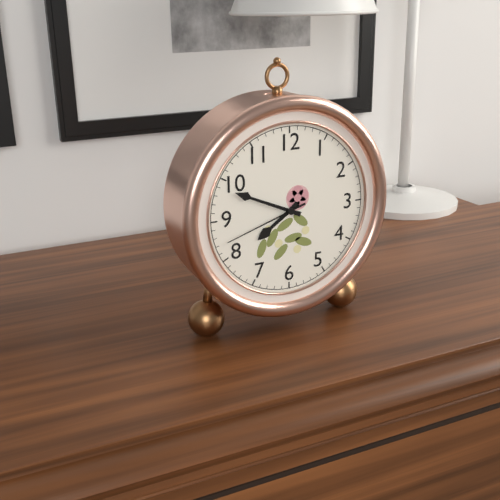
7:49:42
